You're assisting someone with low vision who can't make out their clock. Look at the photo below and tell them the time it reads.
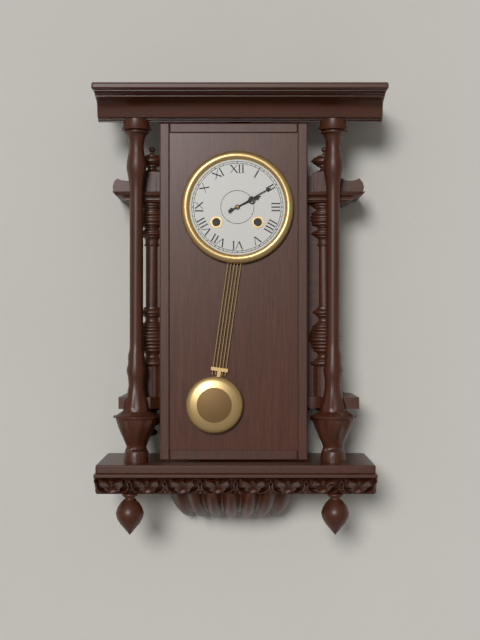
2:10
